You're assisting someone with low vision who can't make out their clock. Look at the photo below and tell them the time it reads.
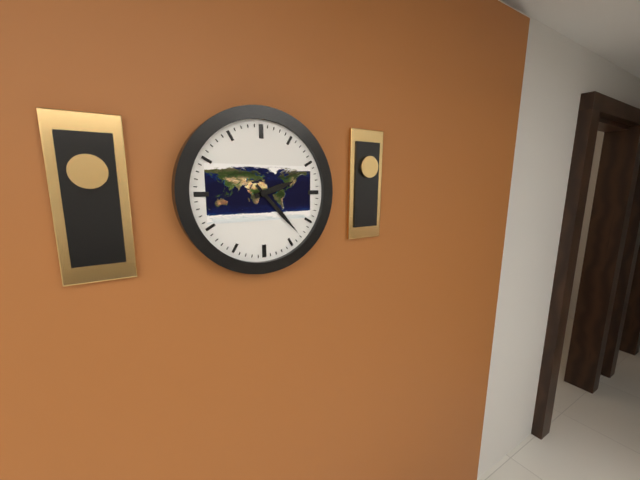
2:23
